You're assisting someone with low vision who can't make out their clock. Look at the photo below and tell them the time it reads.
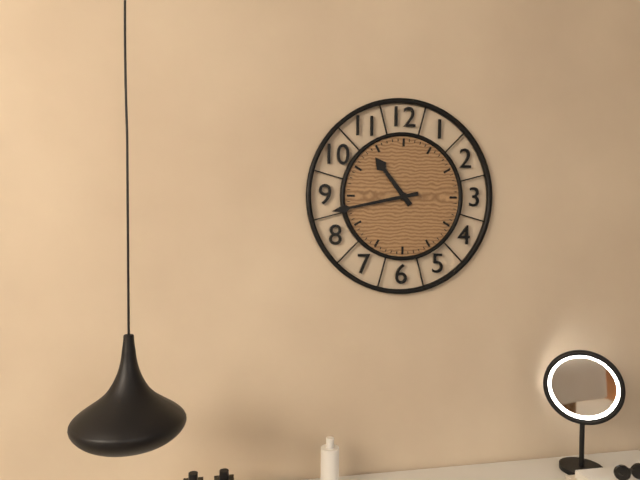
10:43
